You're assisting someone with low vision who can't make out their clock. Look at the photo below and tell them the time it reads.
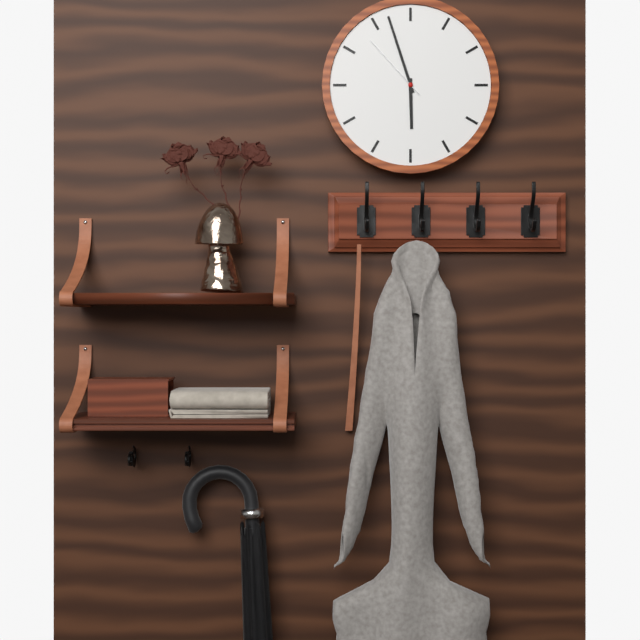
5:57:53
